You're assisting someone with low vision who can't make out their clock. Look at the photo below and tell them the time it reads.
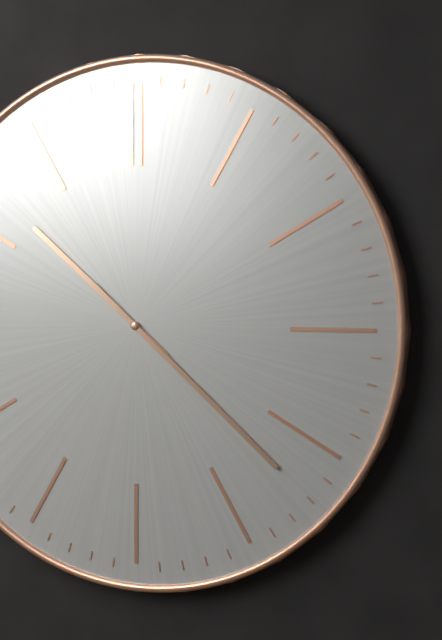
10:22
